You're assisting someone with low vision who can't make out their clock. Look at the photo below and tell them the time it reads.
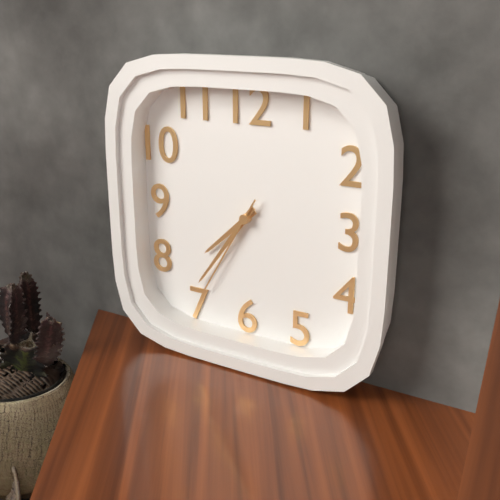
7:36:35
